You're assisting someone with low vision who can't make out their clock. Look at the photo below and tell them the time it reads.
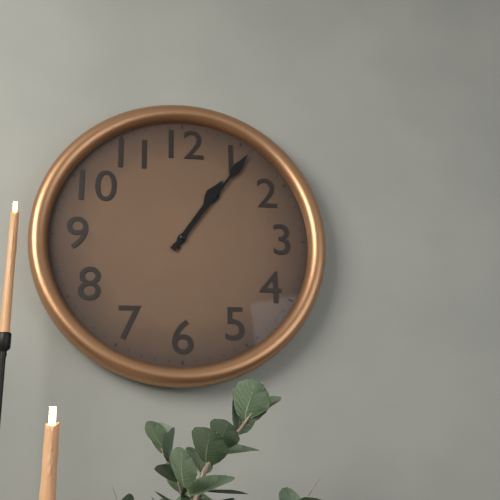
1:06
